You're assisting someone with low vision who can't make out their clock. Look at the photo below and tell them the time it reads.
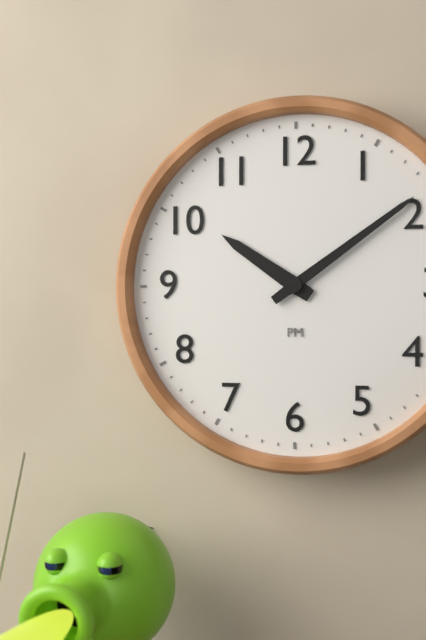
10:09
